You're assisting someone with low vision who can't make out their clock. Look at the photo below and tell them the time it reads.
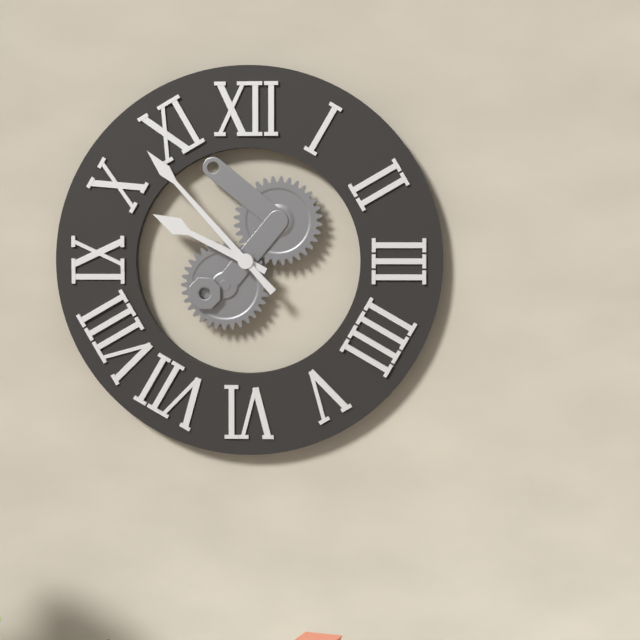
9:53
